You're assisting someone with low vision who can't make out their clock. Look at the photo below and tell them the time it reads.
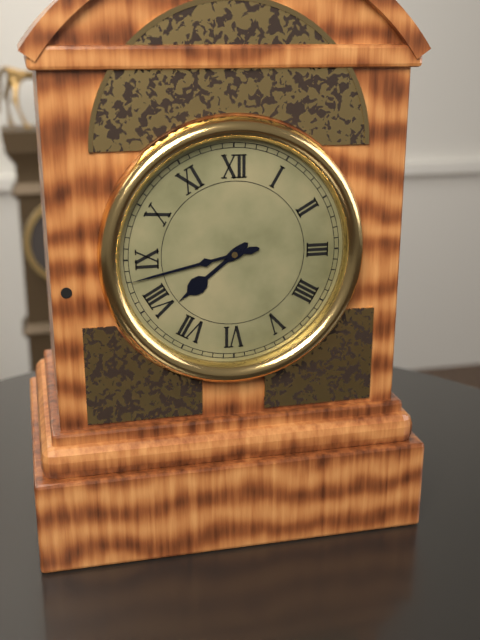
7:43
